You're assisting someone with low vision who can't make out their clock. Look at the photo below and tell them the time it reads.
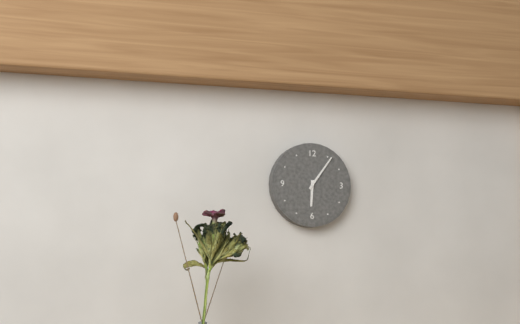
6:06
